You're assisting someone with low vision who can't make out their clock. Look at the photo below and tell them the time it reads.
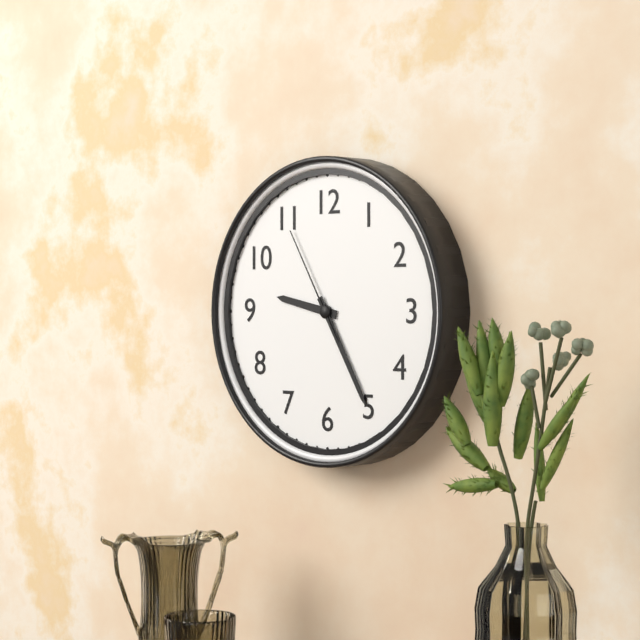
9:25:55
